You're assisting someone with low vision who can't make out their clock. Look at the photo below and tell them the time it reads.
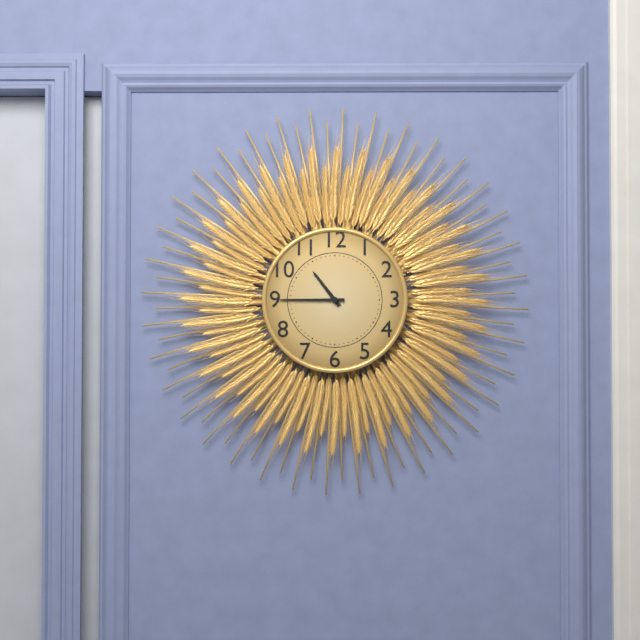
10:45
